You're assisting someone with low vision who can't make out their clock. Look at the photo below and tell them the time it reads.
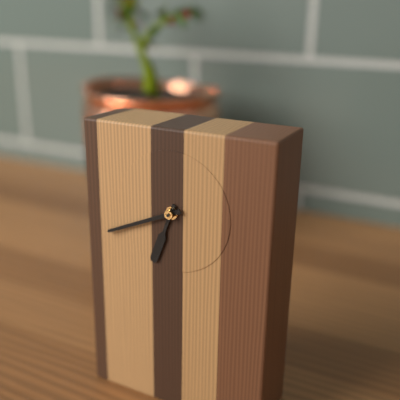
6:41
